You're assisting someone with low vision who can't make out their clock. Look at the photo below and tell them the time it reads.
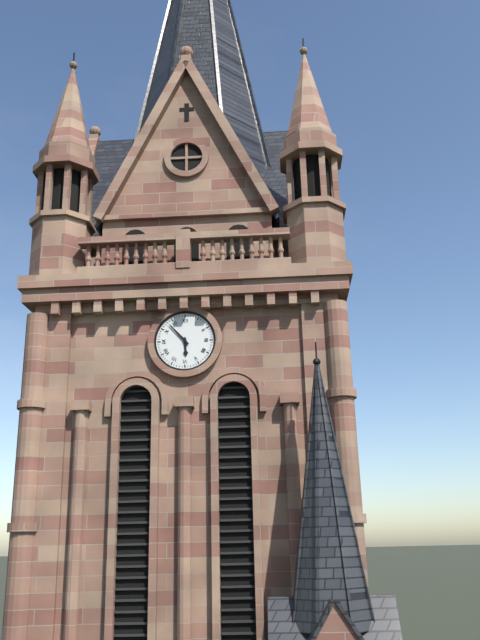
5:53
